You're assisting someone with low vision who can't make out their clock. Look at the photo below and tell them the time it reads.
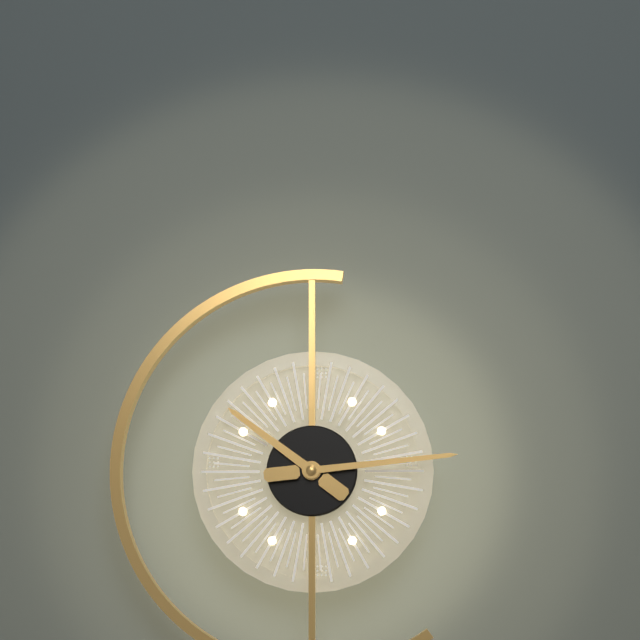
10:14
